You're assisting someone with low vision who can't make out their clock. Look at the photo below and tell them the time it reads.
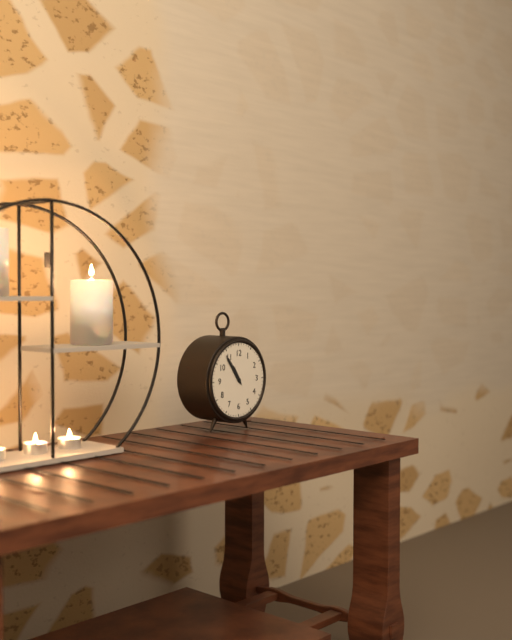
10:54
